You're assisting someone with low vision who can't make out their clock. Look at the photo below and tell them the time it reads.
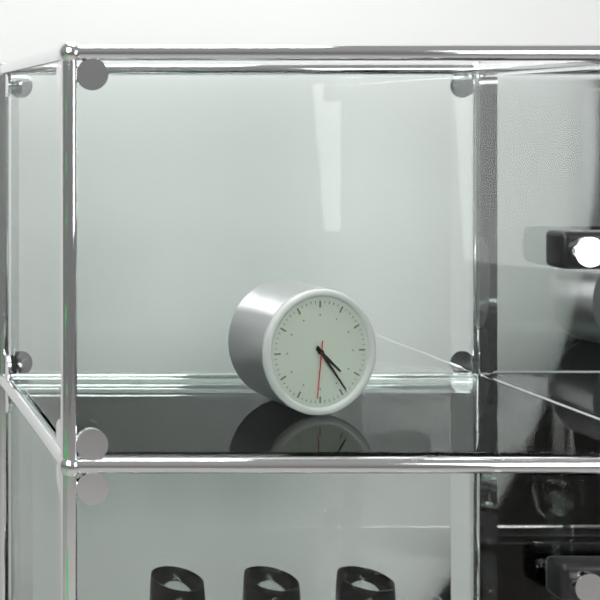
4:24:31
